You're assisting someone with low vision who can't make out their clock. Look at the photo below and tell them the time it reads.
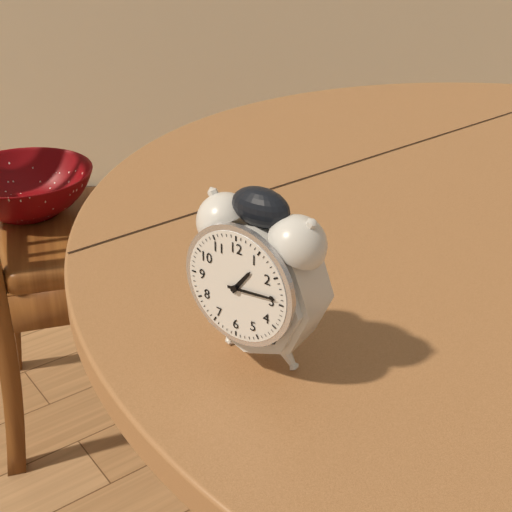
1:14
